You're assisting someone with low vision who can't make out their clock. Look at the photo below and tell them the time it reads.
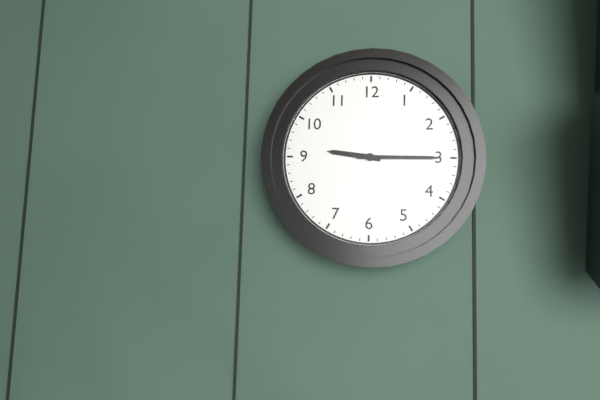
9:15
